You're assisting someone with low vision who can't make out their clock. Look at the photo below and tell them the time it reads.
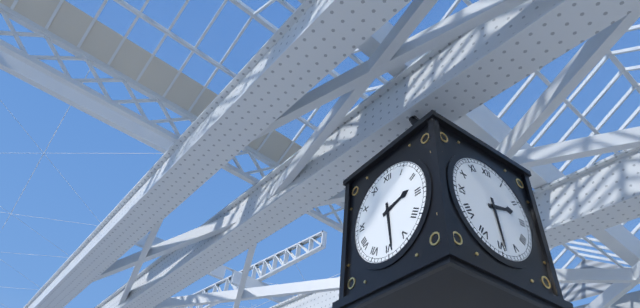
2:29
